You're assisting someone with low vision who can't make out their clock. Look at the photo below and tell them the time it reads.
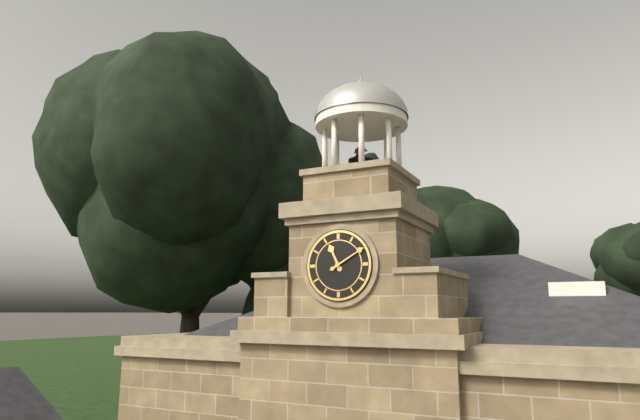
11:10
